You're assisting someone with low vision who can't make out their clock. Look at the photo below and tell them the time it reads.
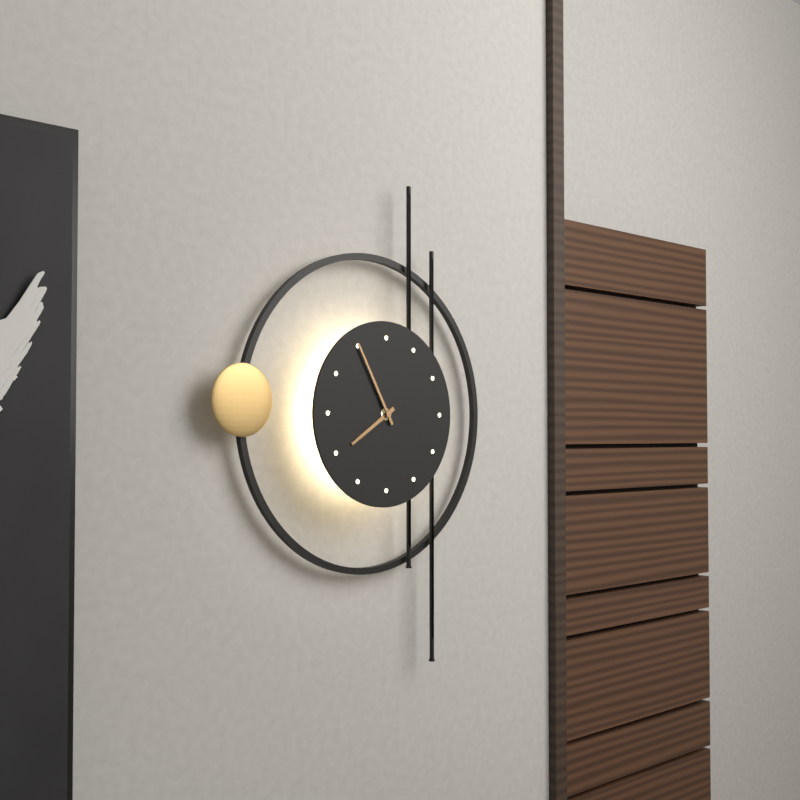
7:55
